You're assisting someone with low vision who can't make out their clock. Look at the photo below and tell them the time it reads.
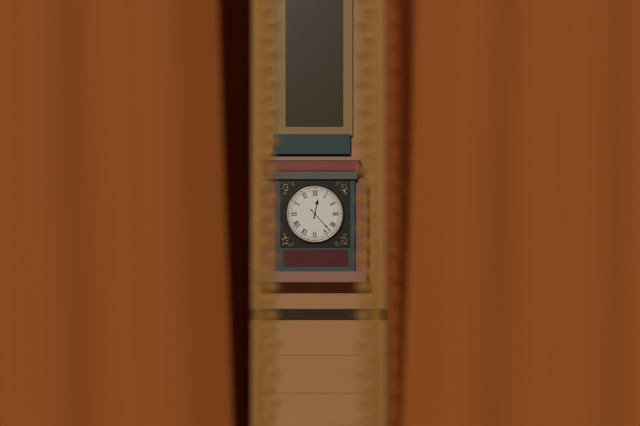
12:23
